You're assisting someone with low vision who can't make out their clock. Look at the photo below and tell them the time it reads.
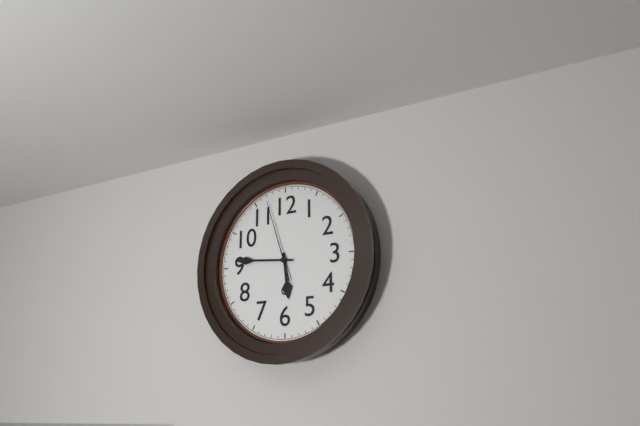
5:46:57
